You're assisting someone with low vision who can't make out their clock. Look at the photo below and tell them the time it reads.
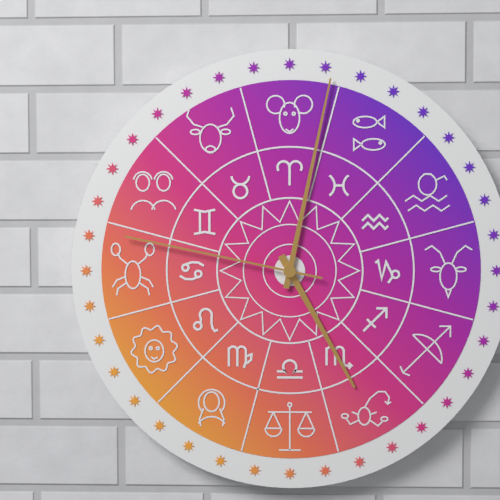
5:02:47
